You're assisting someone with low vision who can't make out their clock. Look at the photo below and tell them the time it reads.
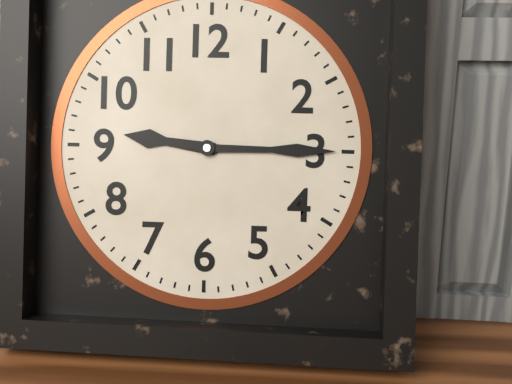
9:15
